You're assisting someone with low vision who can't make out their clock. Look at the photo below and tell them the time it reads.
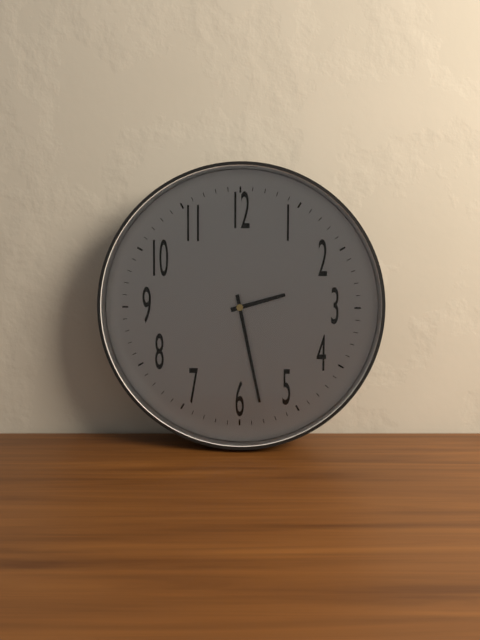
2:28
